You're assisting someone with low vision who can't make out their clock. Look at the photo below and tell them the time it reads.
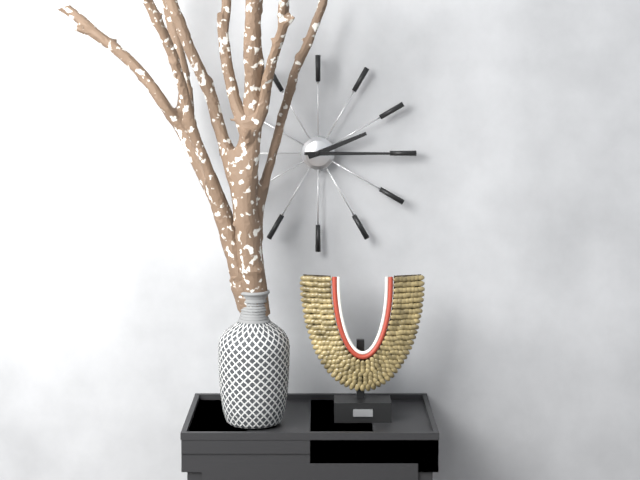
2:15
